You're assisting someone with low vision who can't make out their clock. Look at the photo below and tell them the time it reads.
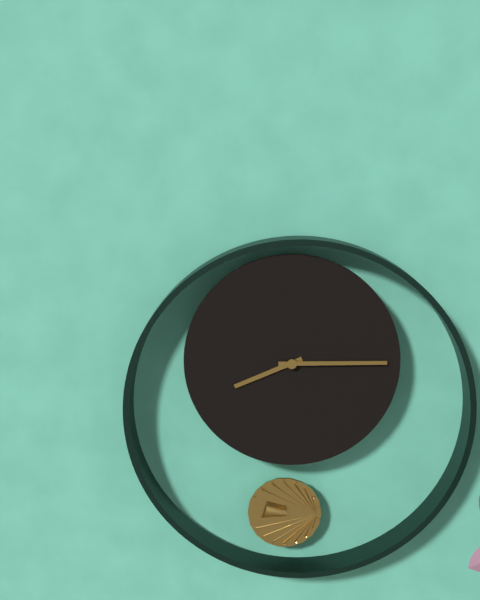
8:15
